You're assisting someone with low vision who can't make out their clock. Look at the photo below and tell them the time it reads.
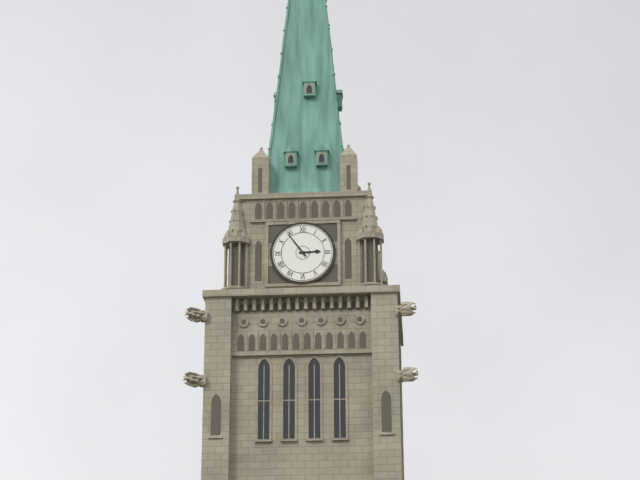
2:54
